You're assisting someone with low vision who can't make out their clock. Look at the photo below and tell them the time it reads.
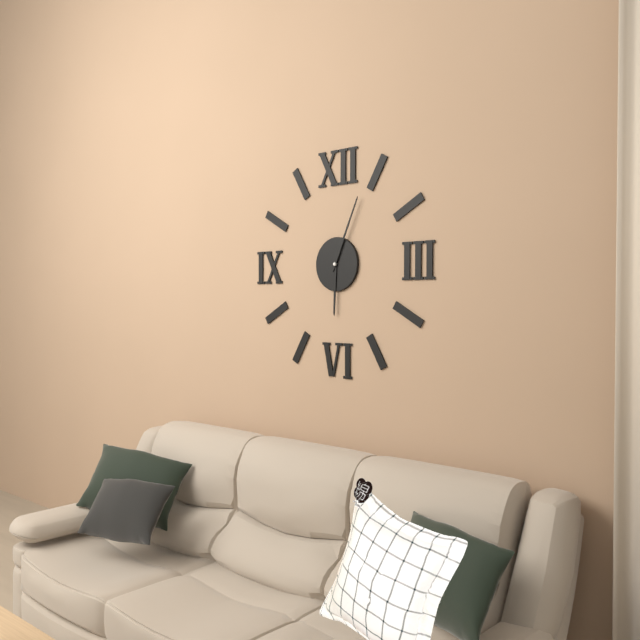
6:04
